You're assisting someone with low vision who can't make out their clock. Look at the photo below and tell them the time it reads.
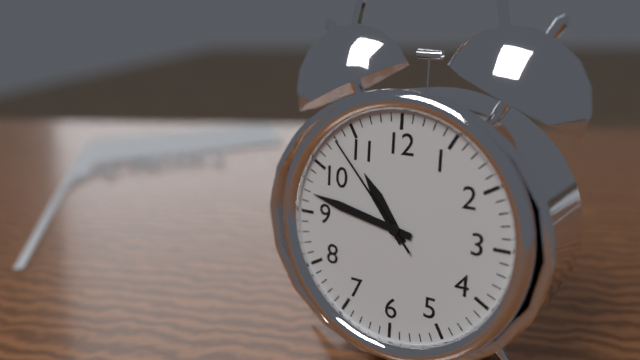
10:47:53
